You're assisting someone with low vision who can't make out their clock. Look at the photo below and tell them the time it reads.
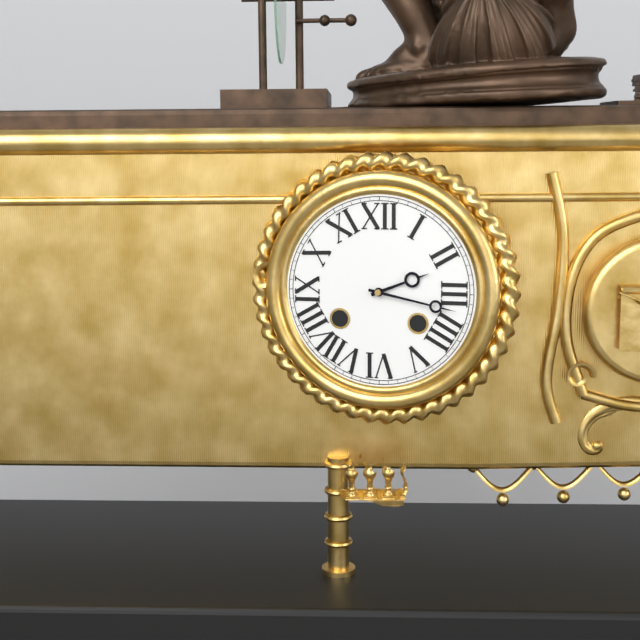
2:17
